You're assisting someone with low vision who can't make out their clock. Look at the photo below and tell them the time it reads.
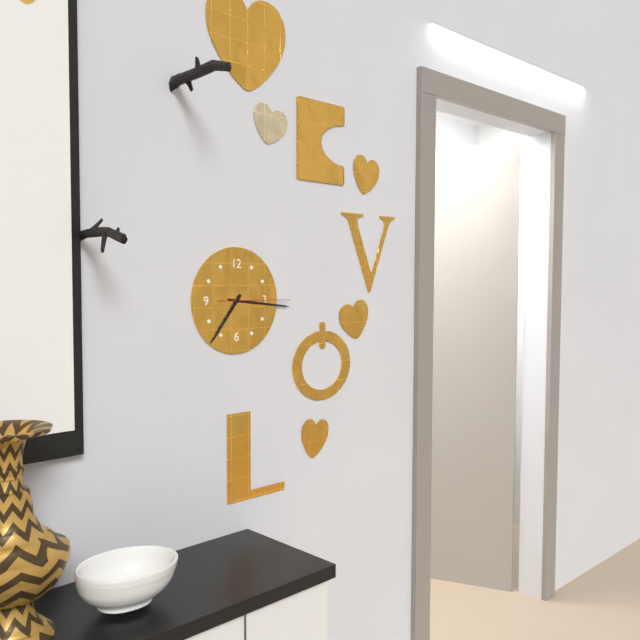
7:16:15
